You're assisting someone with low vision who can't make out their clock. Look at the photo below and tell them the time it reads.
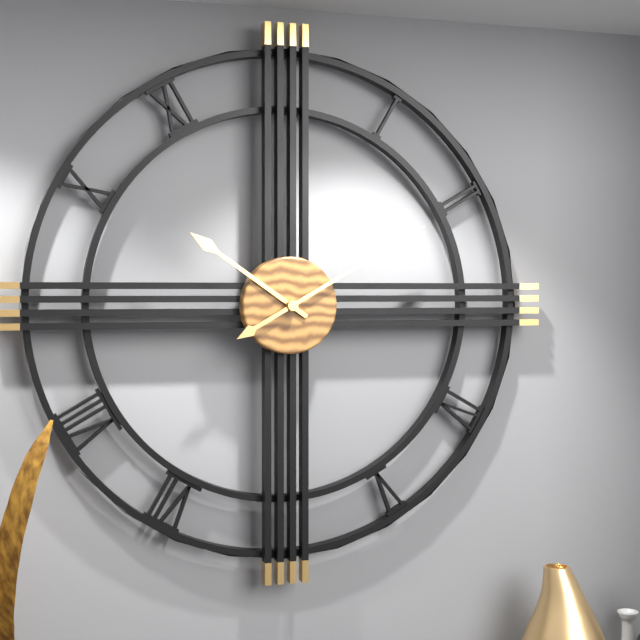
10:10
